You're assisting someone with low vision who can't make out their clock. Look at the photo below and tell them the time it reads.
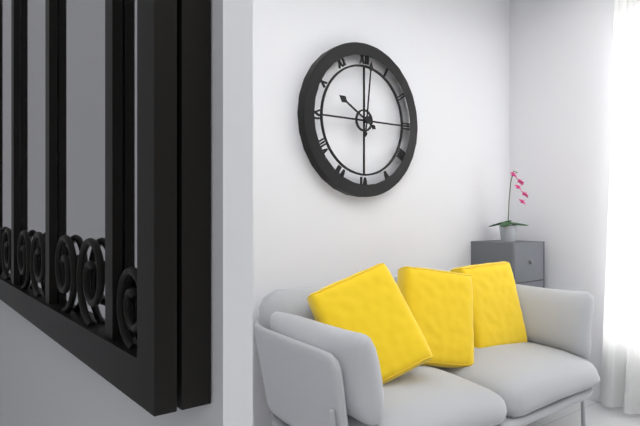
10:01
